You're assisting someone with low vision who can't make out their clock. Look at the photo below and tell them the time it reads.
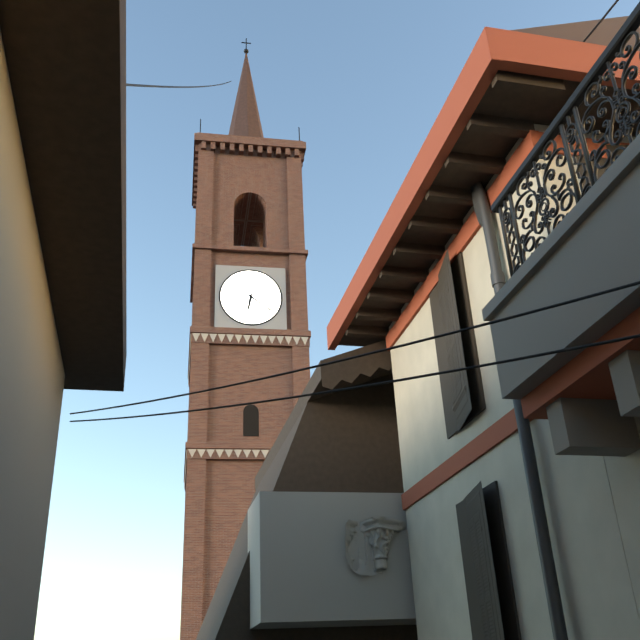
6:21
